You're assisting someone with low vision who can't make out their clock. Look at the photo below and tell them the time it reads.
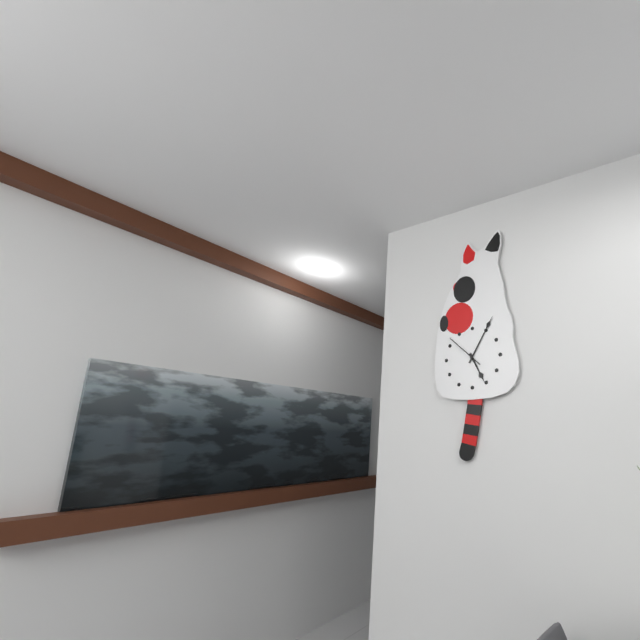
5:05
